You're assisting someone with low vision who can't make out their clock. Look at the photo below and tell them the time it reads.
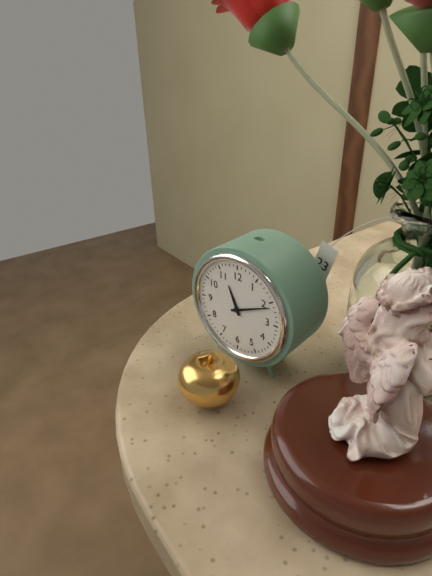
11:11
